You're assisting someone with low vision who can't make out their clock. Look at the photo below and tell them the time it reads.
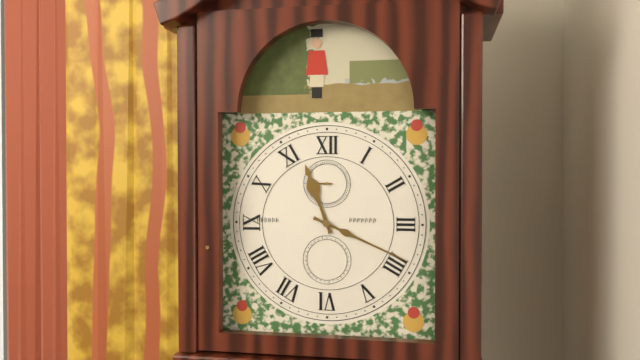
11:19
